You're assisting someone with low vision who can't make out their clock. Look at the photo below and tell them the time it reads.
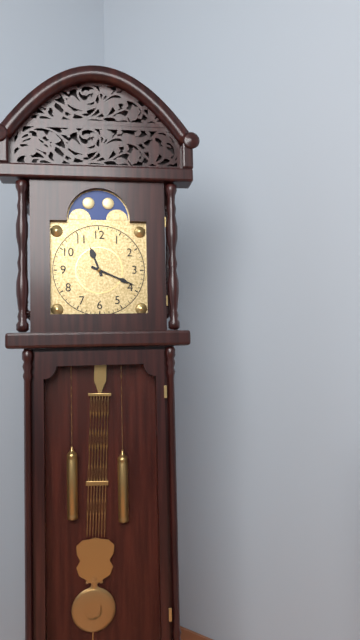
11:19
